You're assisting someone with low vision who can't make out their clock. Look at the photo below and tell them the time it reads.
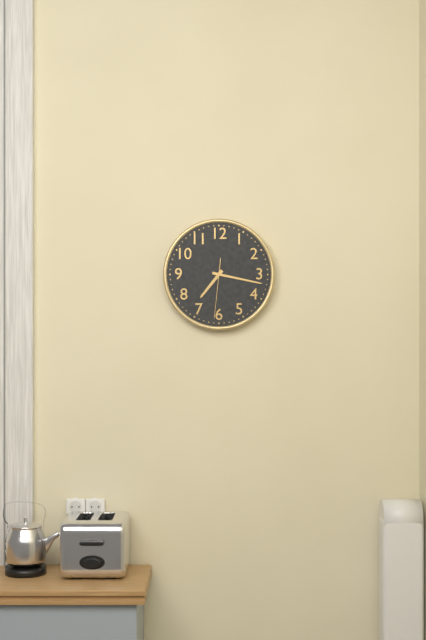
7:17:31
